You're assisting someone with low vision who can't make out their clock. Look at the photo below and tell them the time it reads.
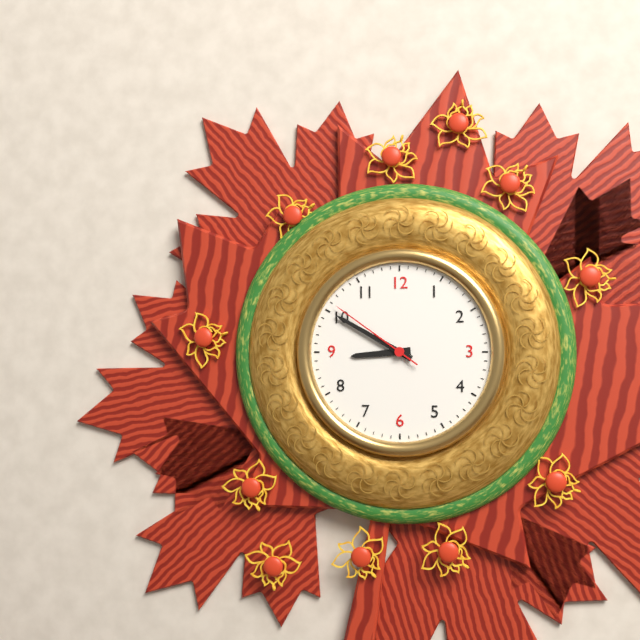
8:50:51
